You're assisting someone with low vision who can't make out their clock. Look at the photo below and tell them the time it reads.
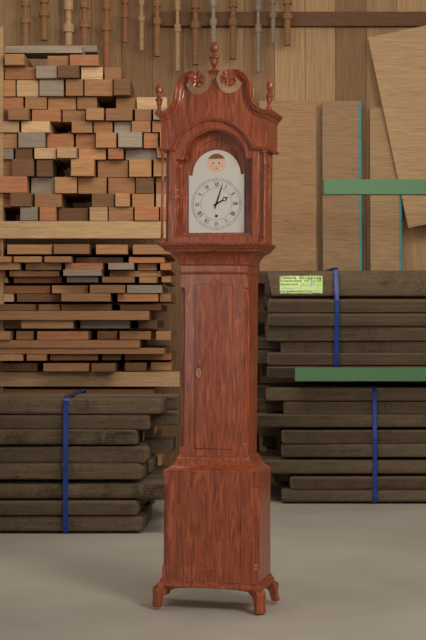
2:03
